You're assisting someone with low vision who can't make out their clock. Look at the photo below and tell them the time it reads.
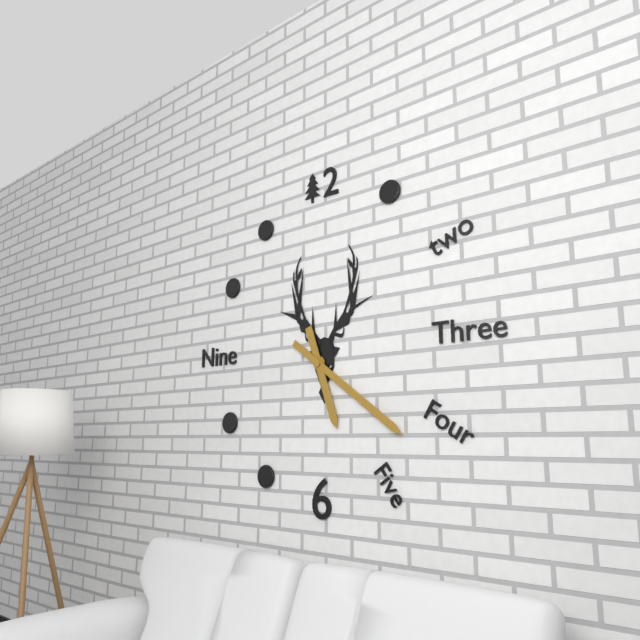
5:21
